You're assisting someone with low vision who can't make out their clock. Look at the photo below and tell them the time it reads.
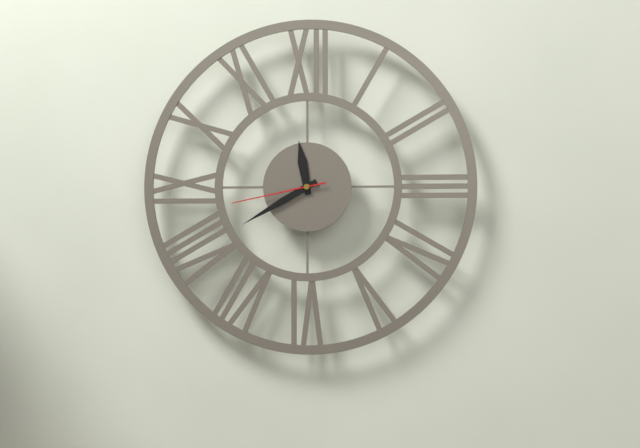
11:40:43
